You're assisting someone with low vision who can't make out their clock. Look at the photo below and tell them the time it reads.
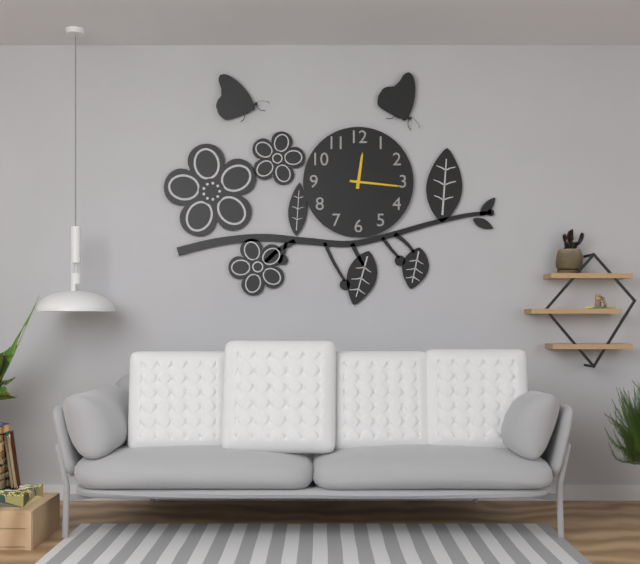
12:16
